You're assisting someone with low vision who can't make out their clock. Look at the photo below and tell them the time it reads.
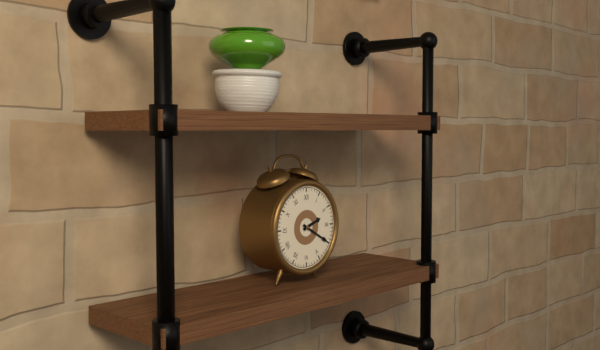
2:20
